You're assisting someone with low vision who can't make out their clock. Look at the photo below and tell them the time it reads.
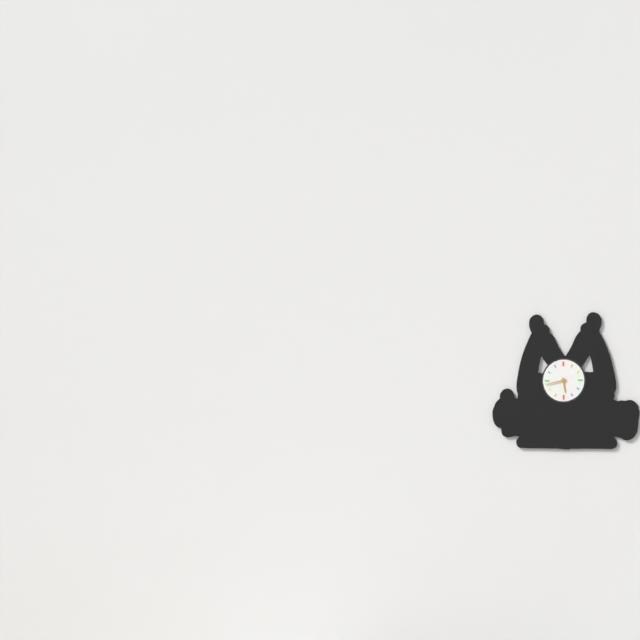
5:43
